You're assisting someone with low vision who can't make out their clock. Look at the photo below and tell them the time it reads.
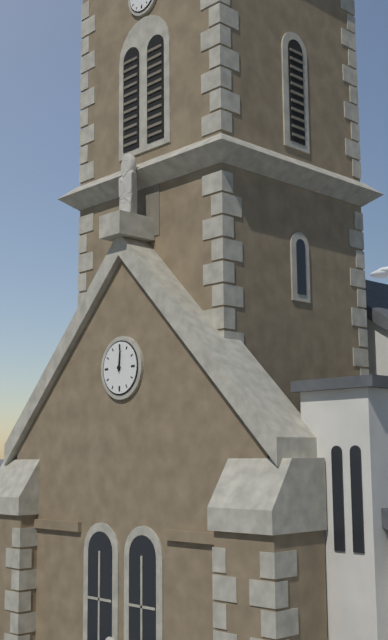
12:01
